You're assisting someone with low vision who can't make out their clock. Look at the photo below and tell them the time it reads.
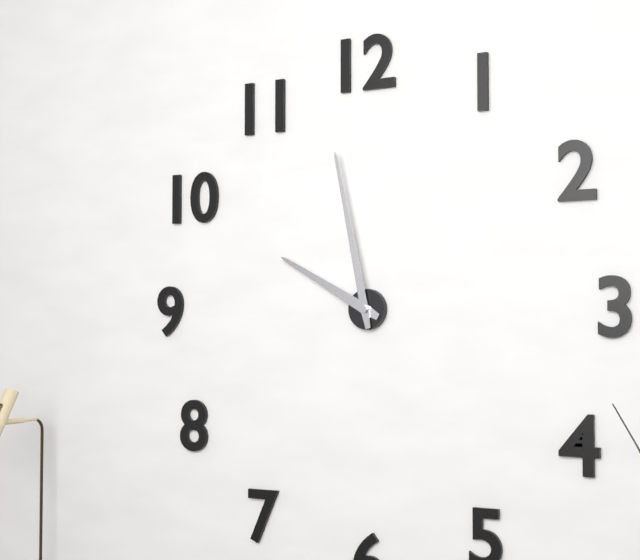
9:58
